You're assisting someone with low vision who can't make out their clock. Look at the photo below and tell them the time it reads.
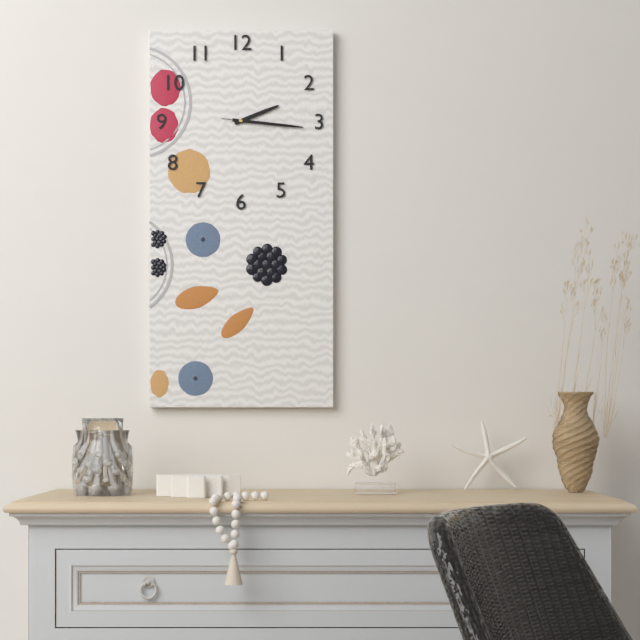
2:16:16
